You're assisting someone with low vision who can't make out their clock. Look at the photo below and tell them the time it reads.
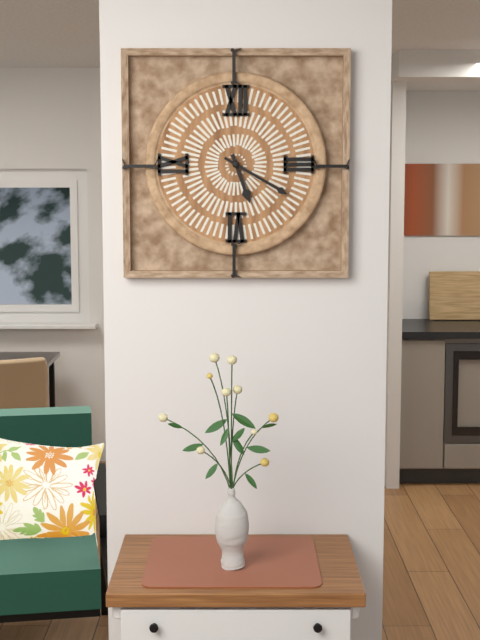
5:20
